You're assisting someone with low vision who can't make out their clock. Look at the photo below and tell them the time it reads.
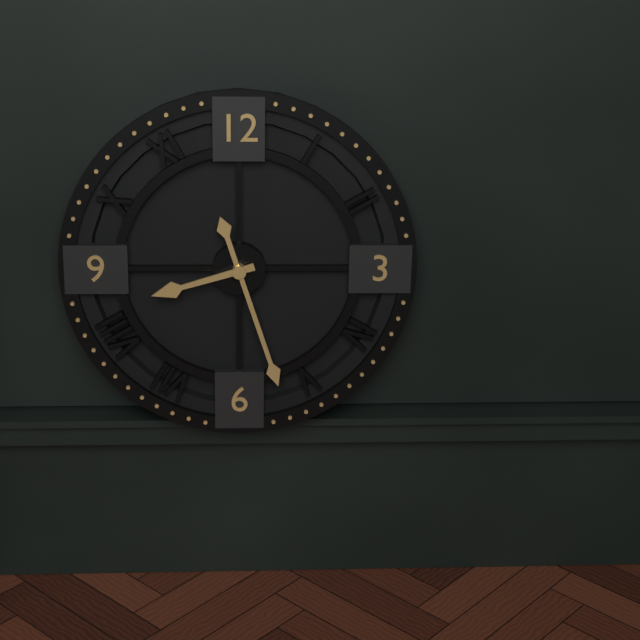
8:27
